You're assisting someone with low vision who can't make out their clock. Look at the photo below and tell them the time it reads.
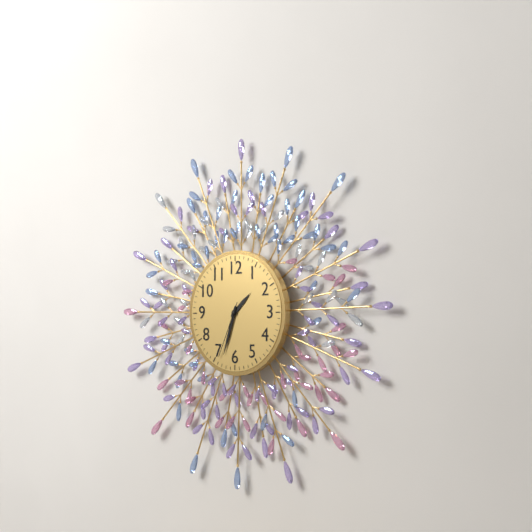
1:33:34
